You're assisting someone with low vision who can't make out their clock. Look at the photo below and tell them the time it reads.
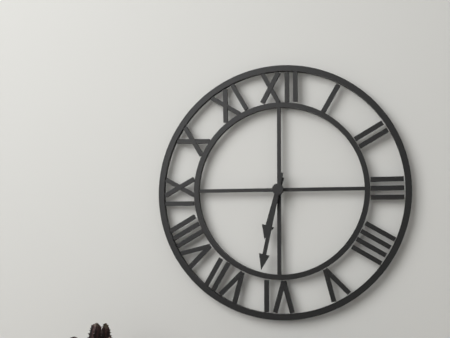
6:32
